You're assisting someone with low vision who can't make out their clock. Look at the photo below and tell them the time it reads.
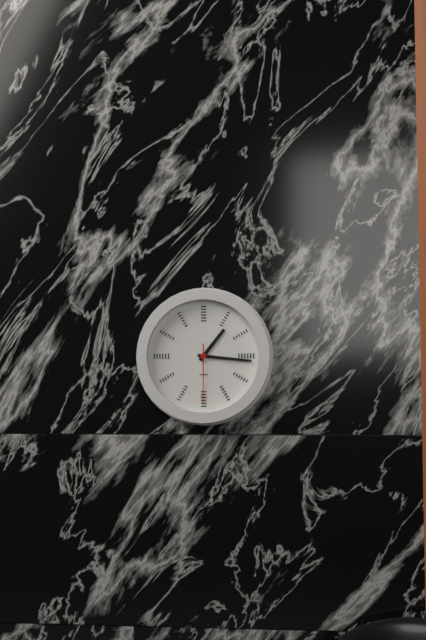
1:16:30
